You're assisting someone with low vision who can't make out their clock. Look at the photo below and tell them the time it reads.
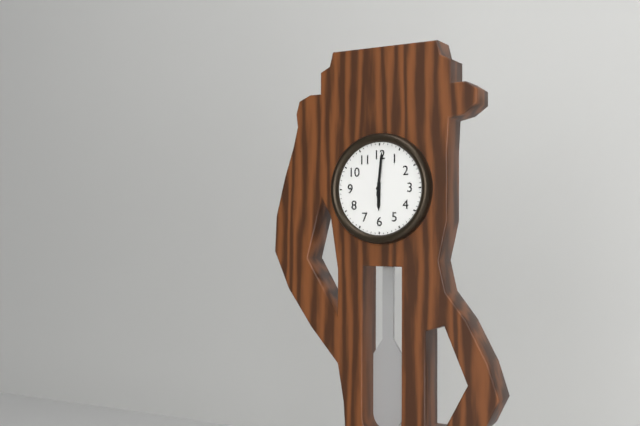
6:01
